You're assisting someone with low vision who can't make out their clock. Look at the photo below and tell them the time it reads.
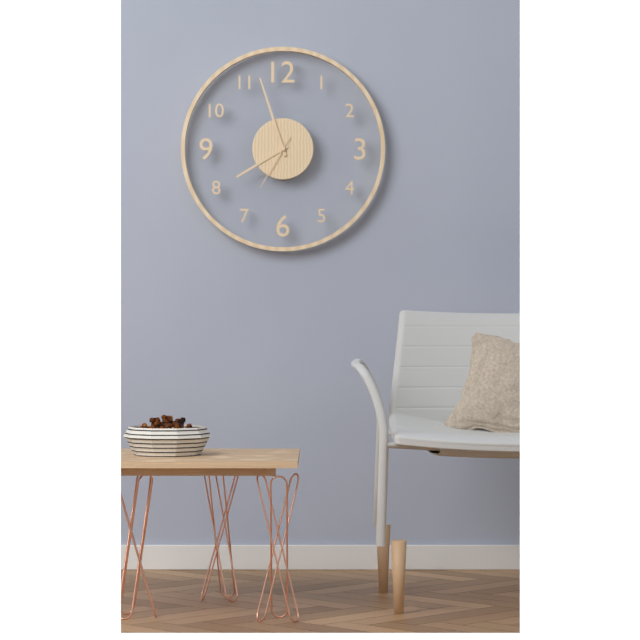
7:57:35
